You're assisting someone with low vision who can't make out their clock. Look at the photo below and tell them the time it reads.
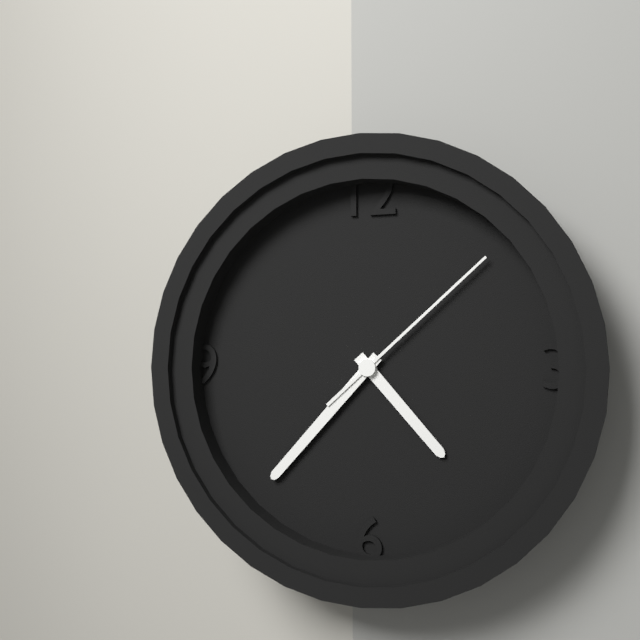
4:37:08
